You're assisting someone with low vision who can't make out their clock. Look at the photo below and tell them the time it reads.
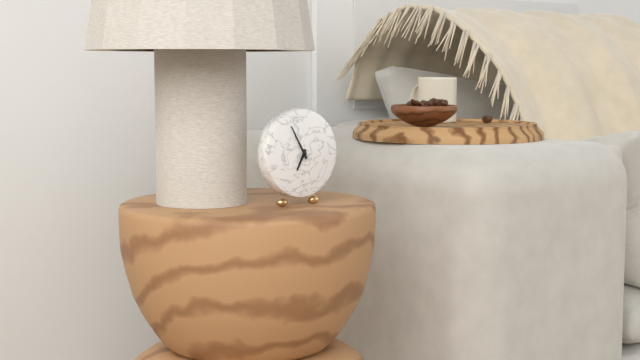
6:55
